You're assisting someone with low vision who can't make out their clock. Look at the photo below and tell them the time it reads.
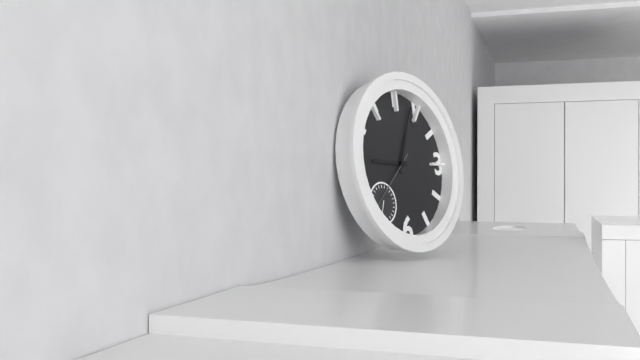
9:04:38
